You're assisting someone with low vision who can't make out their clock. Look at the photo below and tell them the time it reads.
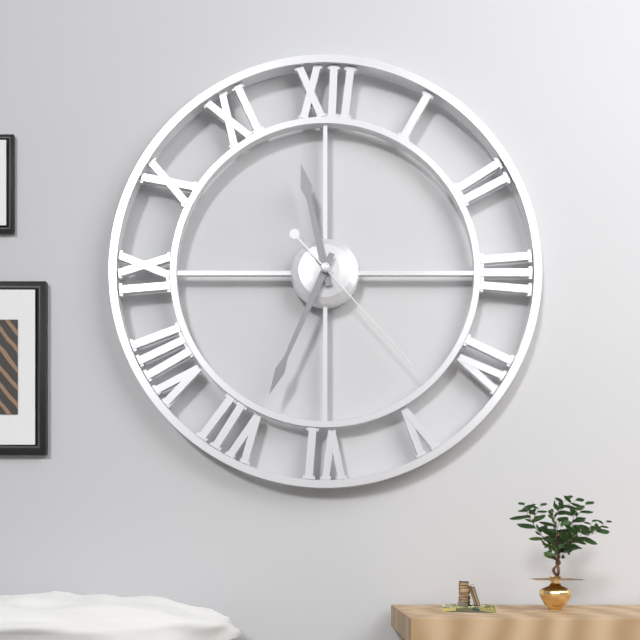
11:34:23
